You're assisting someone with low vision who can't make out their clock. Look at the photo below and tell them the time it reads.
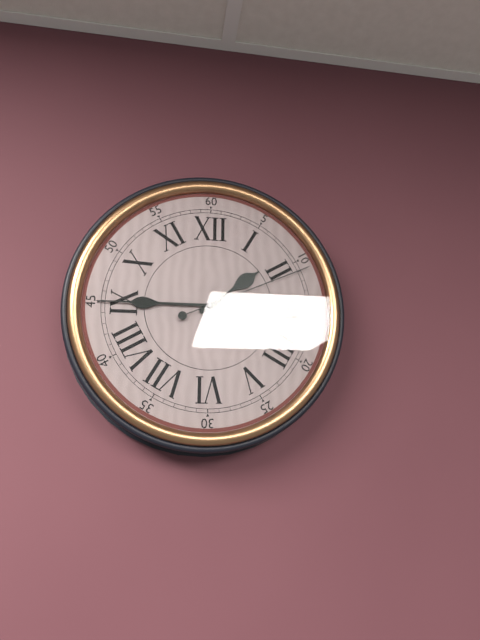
1:45:11
